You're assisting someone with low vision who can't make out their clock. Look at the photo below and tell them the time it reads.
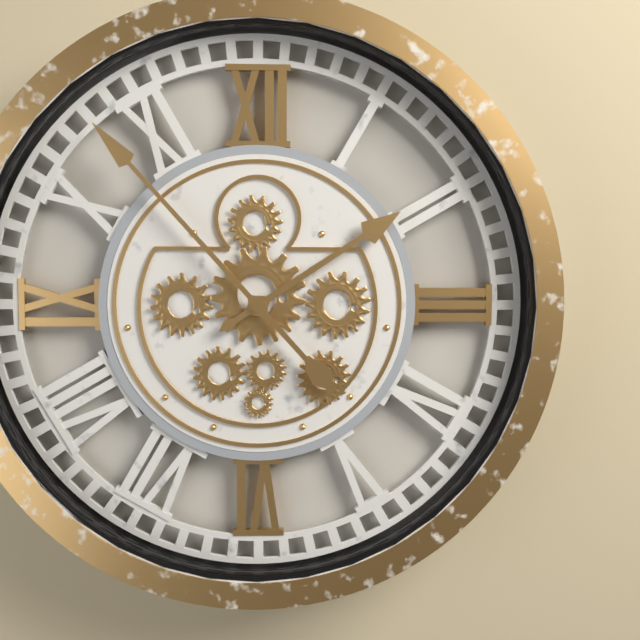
1:53
